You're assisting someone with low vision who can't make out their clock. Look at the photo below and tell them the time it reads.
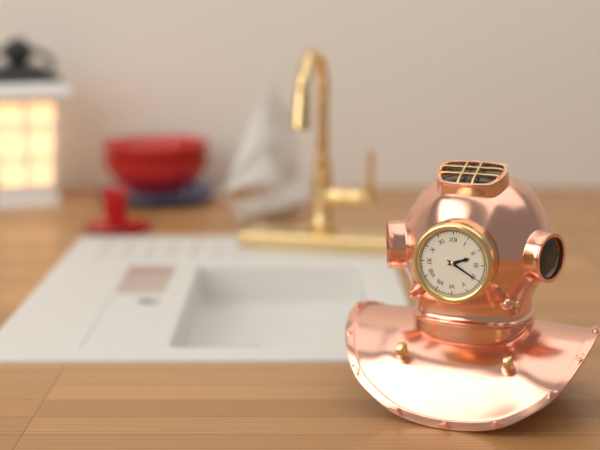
2:20
